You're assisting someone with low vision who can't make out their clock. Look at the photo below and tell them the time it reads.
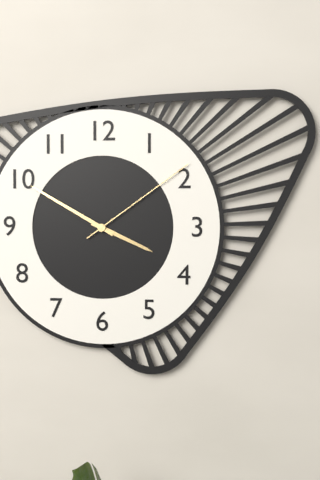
3:50:09
